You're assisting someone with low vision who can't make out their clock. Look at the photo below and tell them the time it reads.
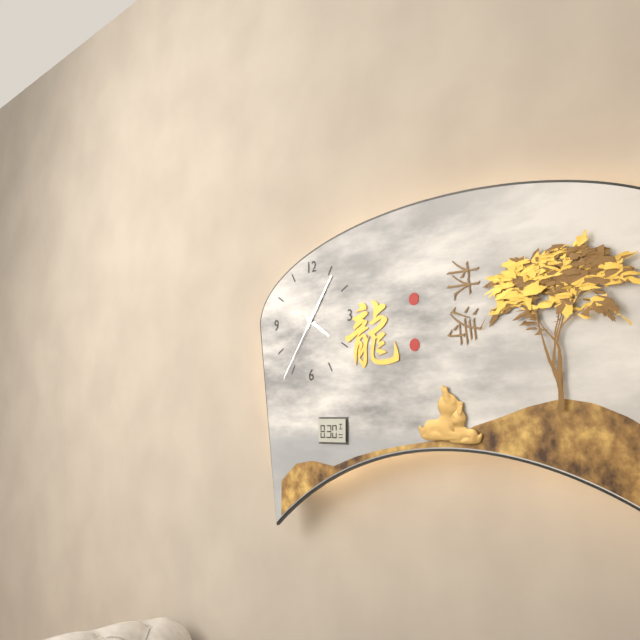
4:06:36
